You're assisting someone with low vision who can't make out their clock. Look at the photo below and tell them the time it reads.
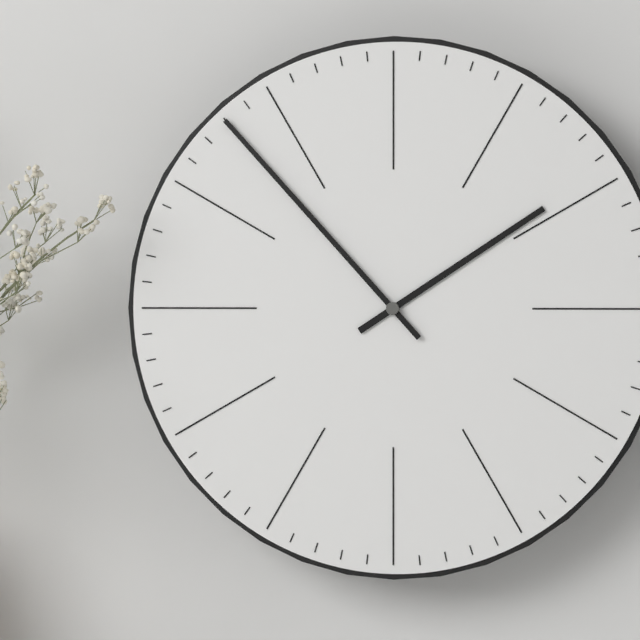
1:53
